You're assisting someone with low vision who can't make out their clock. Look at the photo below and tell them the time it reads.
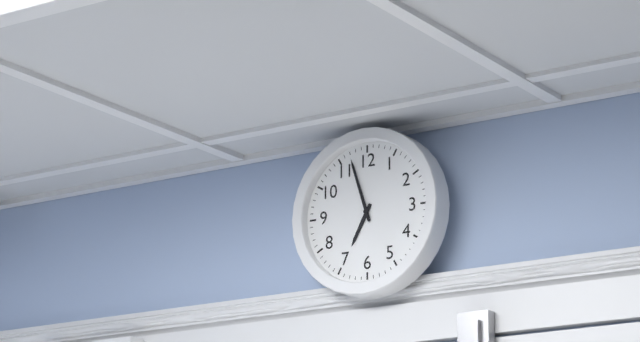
6:57
